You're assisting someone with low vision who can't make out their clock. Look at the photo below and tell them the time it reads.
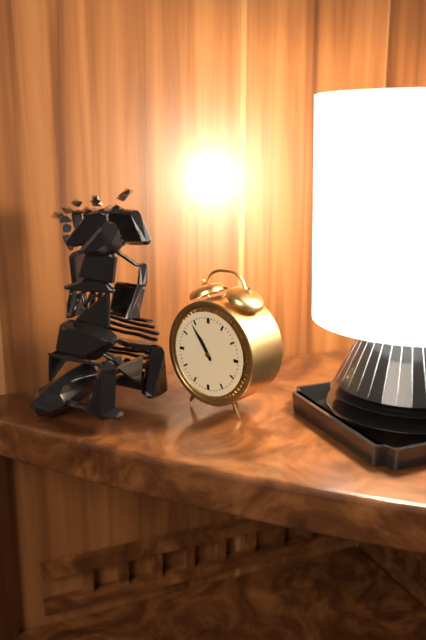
10:54
